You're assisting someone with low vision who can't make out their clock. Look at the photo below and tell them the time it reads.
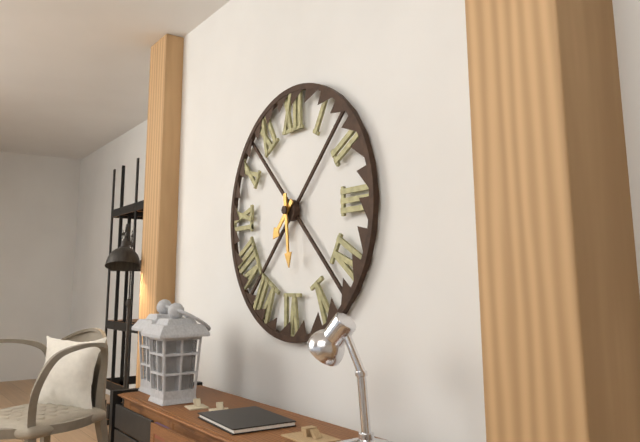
7:29
